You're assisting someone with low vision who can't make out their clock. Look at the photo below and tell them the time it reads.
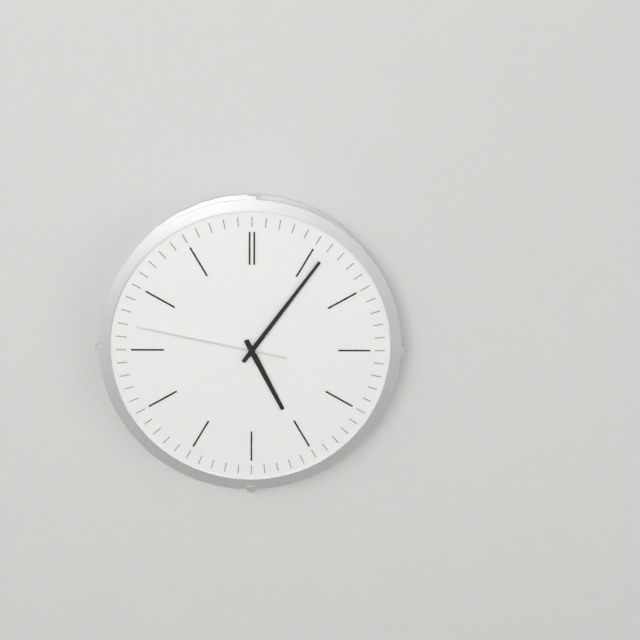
5:06:47
